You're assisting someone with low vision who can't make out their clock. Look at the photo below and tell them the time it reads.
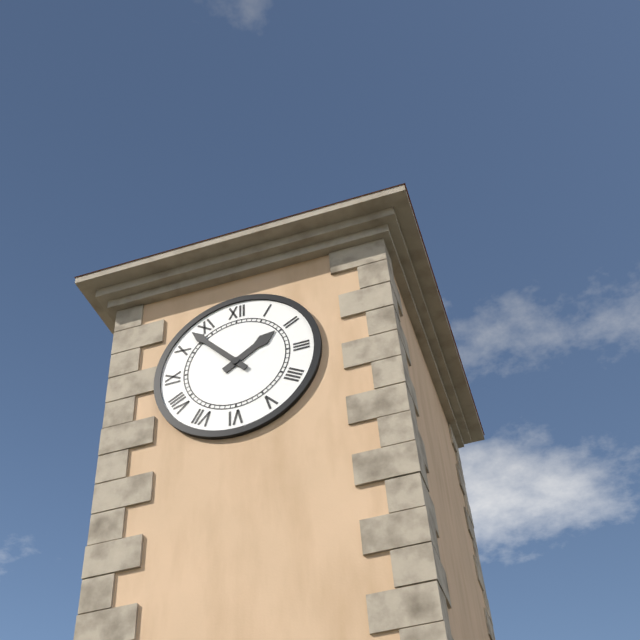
1:53
